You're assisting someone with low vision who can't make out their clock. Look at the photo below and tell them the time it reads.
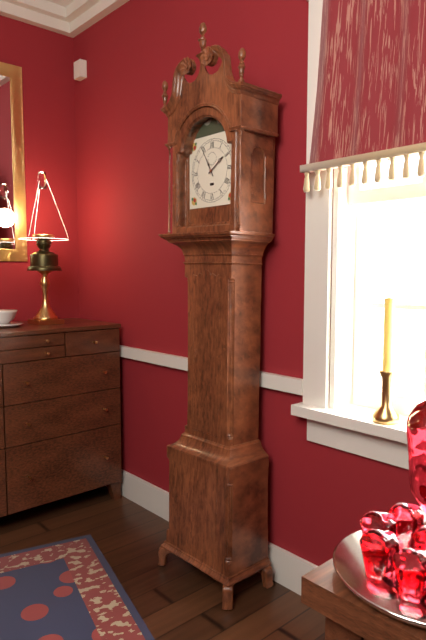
1:55
